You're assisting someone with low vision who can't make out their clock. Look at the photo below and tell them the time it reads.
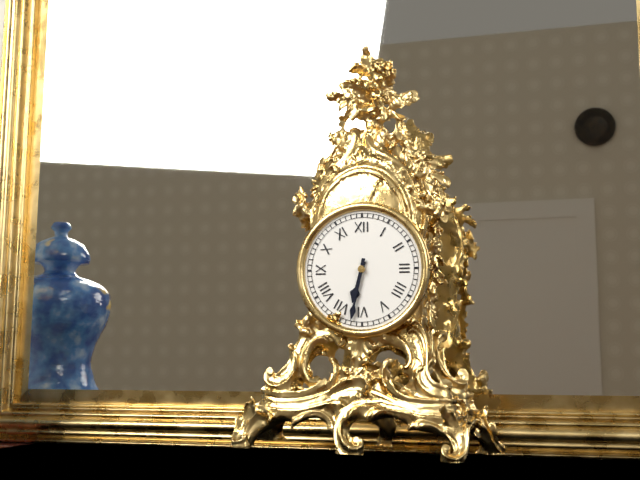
6:32
